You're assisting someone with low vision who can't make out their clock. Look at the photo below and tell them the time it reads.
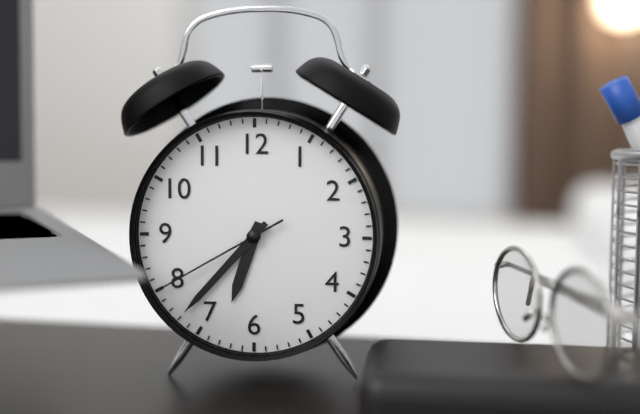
6:37:40
